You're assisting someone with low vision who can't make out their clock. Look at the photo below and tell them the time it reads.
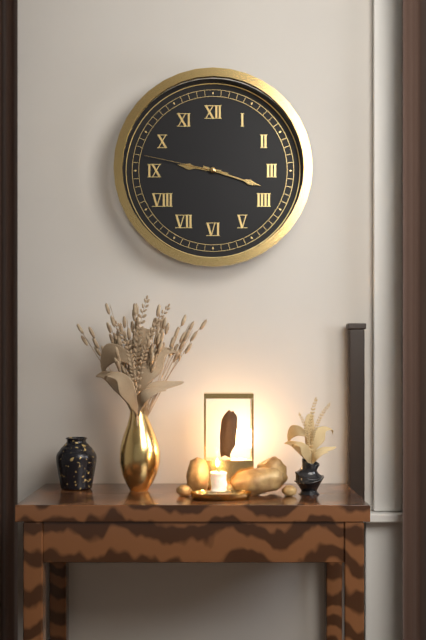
9:18:47
